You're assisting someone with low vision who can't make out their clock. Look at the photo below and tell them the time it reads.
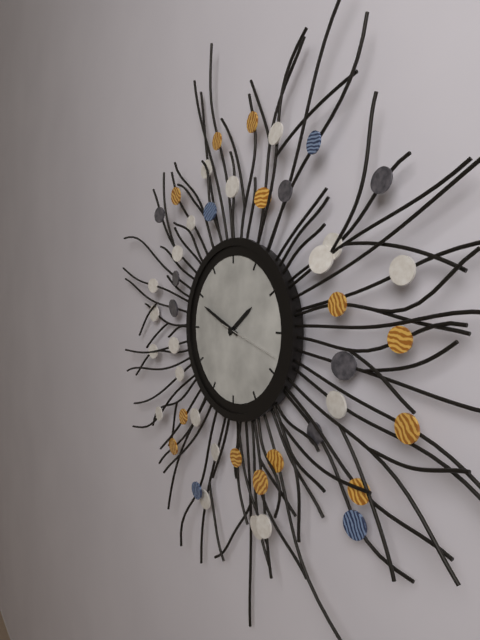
1:49:18
